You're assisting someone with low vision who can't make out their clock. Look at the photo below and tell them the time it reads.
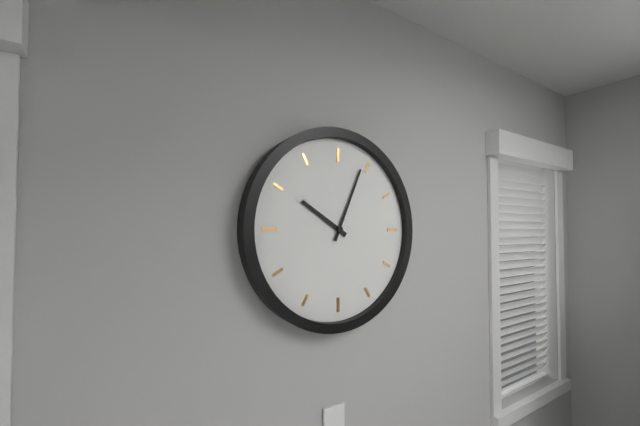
10:04
